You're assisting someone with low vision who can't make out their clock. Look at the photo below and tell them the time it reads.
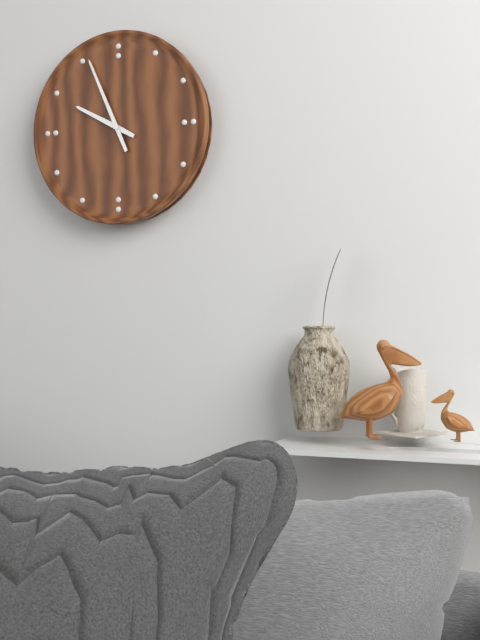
9:56
